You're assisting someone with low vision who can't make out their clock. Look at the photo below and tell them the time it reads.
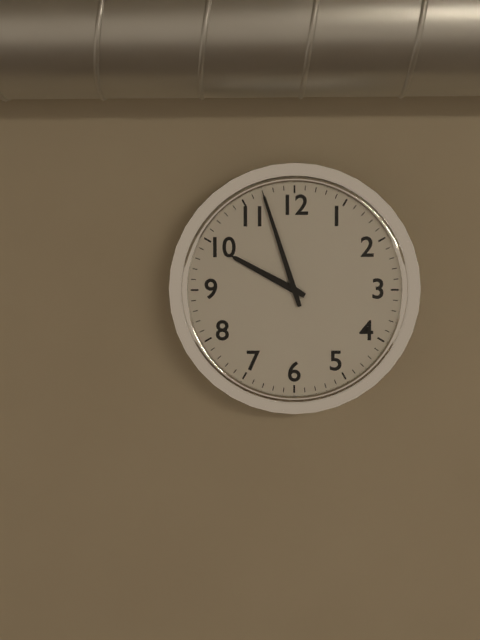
9:57
